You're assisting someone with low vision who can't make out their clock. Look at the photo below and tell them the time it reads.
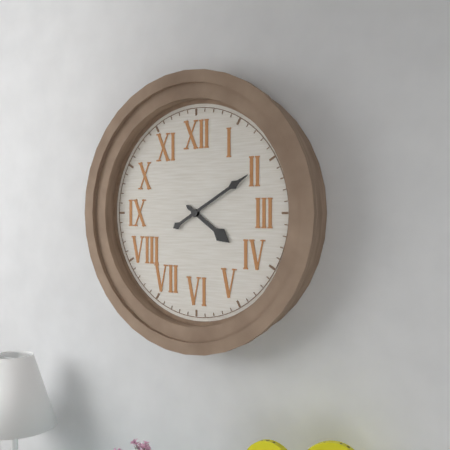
4:10
